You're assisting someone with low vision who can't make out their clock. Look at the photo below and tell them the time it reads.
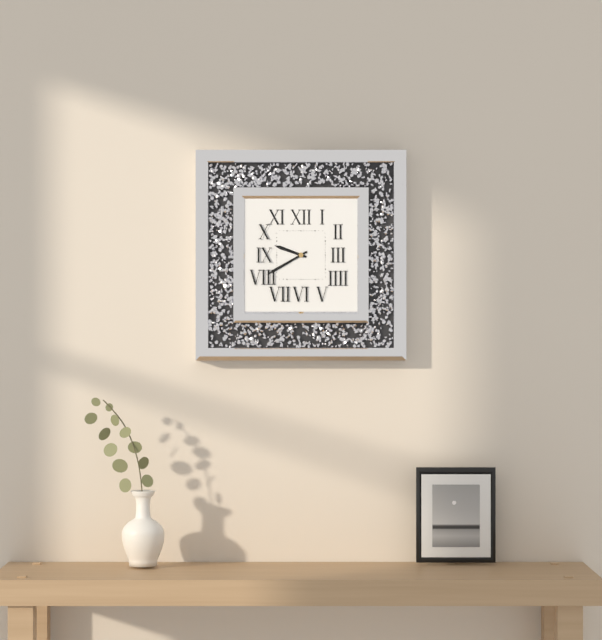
9:40
